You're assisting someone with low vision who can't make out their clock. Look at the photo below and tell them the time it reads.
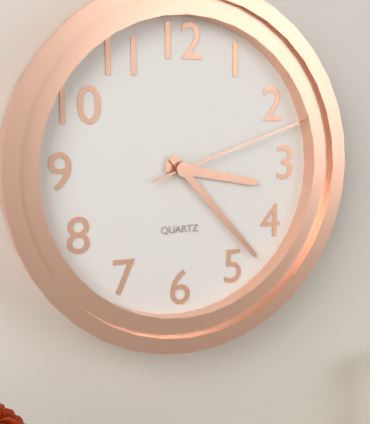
3:23:12
